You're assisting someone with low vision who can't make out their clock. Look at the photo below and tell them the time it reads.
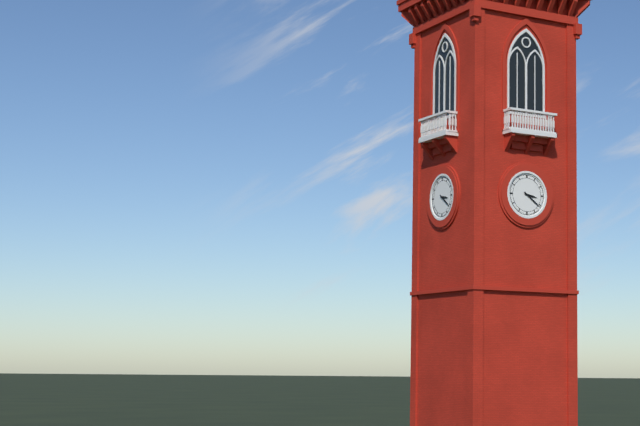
3:21
